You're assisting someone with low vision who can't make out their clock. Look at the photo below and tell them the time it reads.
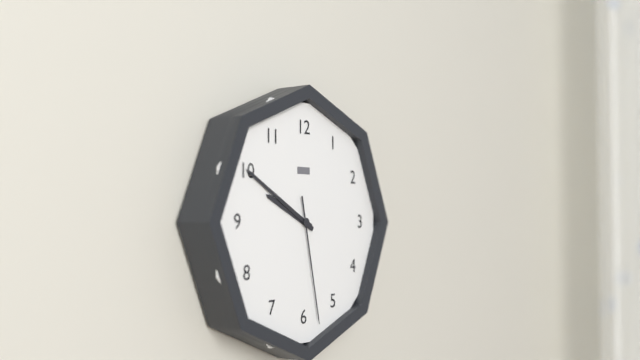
9:50:28
